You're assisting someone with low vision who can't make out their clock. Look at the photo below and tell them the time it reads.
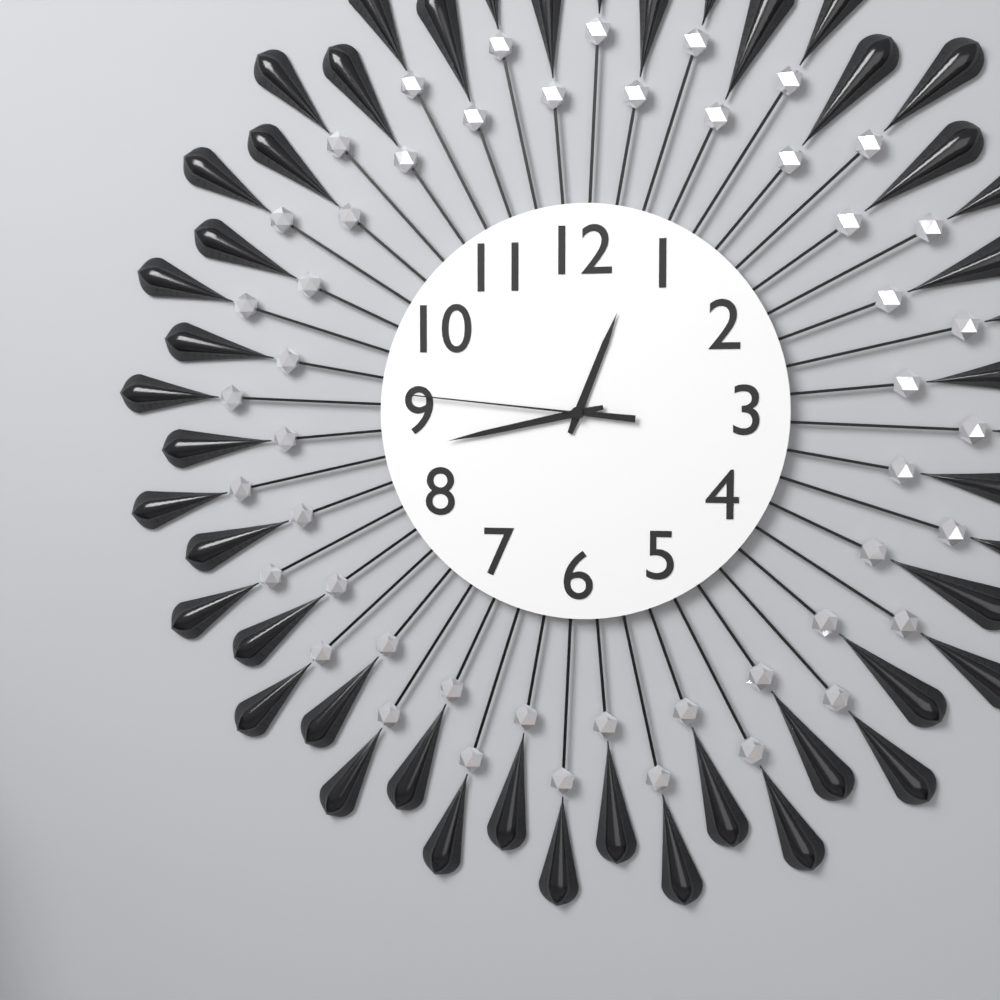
12:43:46
